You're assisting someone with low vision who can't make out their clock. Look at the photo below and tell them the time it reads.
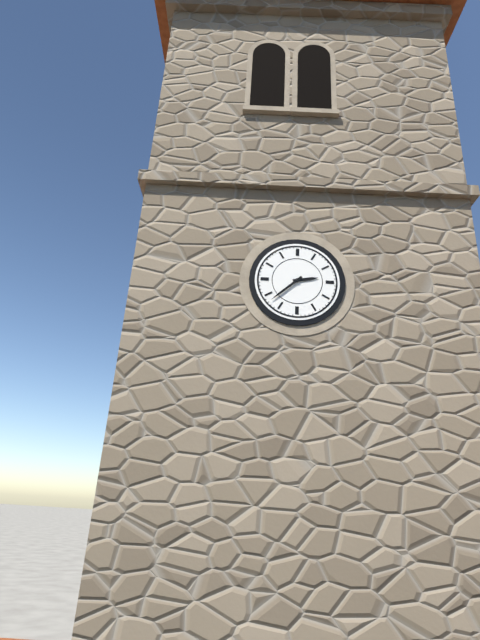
2:38
